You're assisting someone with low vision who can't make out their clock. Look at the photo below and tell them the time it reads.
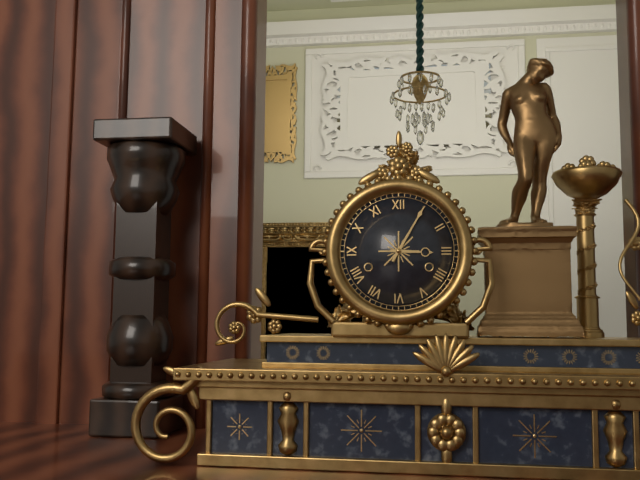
3:05
